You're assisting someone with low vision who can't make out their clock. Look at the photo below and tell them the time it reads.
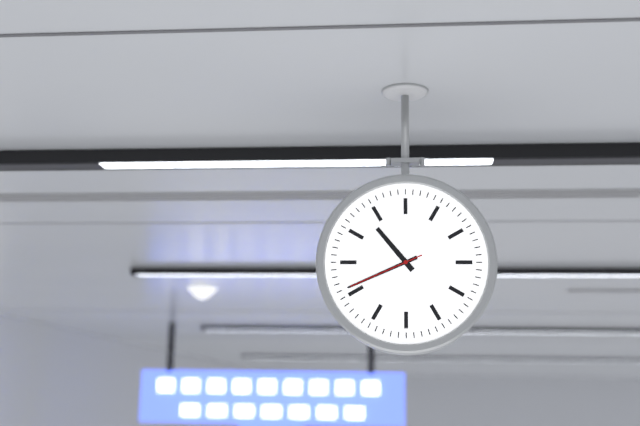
10:41:41
